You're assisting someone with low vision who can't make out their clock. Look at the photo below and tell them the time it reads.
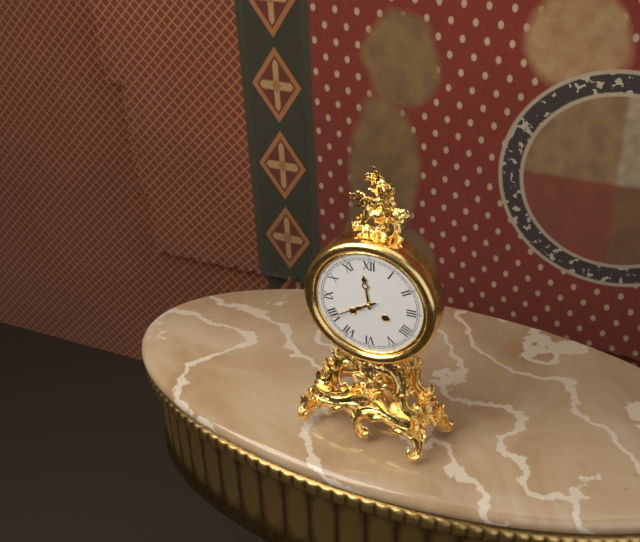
11:40
